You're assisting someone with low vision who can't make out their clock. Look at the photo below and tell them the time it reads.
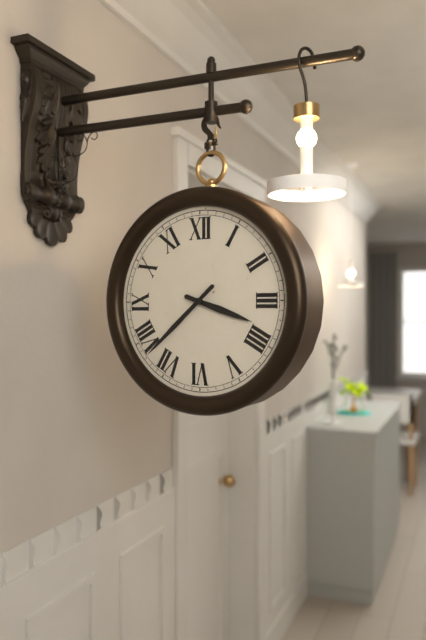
3:38
